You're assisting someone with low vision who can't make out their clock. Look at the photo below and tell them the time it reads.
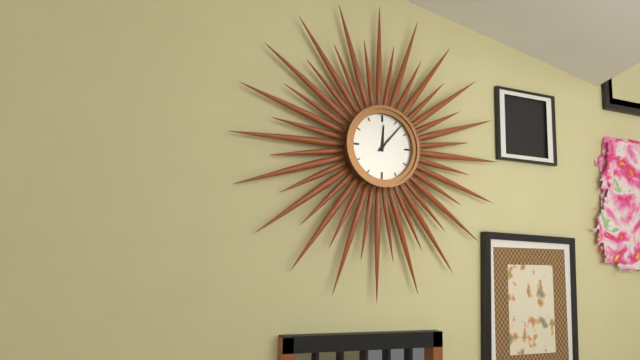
12:07
